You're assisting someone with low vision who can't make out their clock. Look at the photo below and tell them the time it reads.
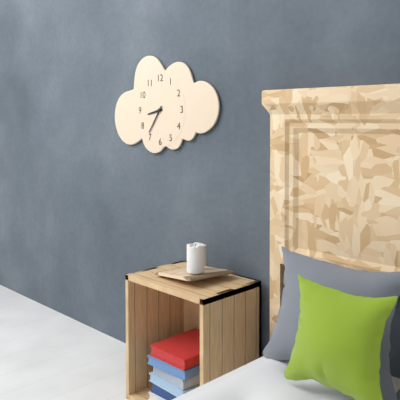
8:36
